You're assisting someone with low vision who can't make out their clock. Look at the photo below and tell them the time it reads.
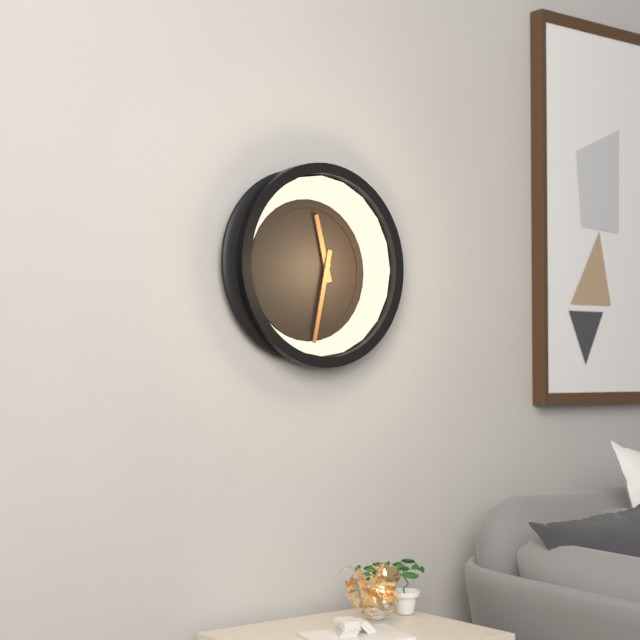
11:32
